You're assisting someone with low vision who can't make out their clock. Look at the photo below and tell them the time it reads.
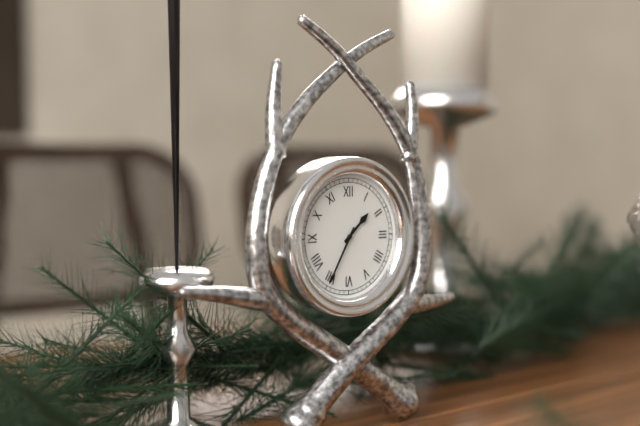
1:35
